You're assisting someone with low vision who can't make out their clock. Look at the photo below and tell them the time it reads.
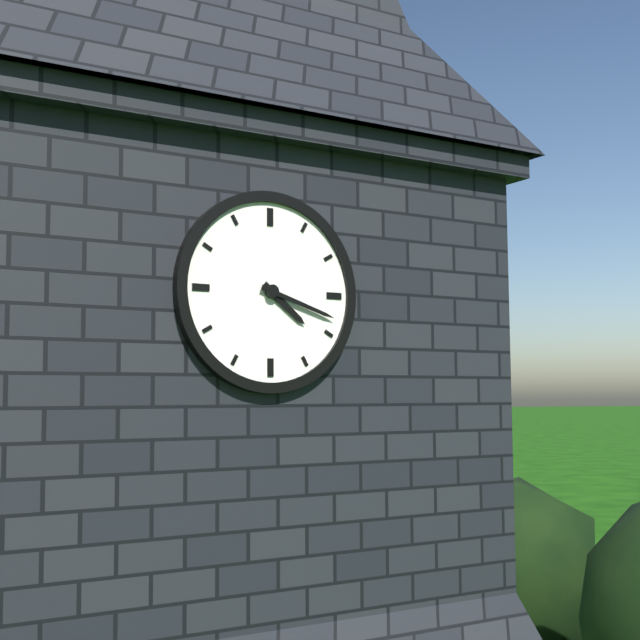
4:18
